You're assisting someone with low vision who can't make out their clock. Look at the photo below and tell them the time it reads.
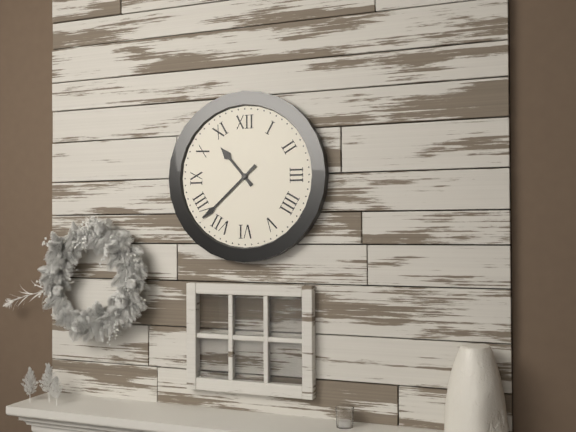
10:38
